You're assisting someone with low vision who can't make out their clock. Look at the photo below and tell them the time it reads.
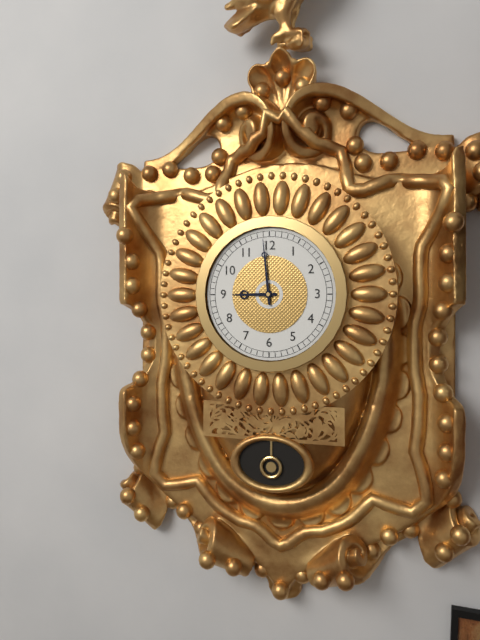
8:59
